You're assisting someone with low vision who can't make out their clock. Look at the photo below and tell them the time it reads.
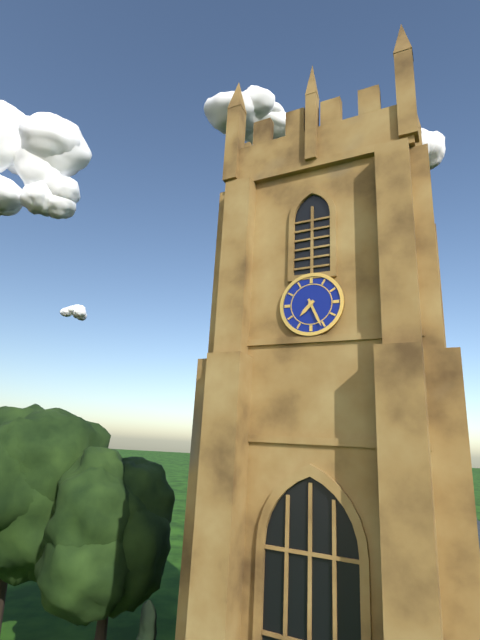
7:26
